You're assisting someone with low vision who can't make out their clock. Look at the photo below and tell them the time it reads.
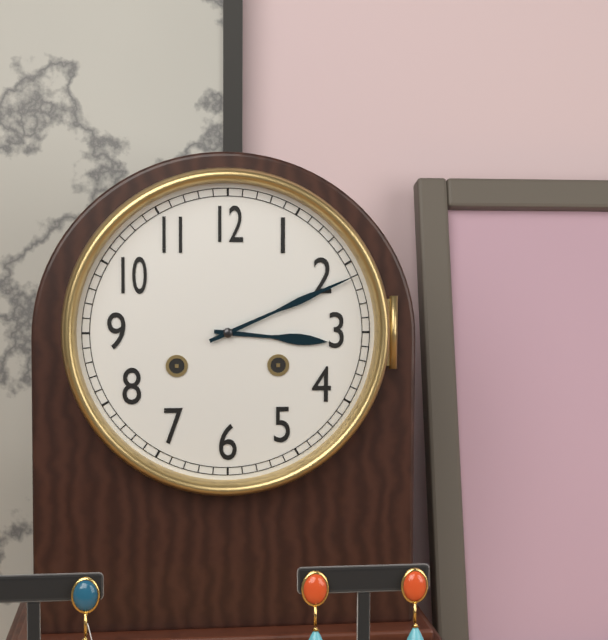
3:11
